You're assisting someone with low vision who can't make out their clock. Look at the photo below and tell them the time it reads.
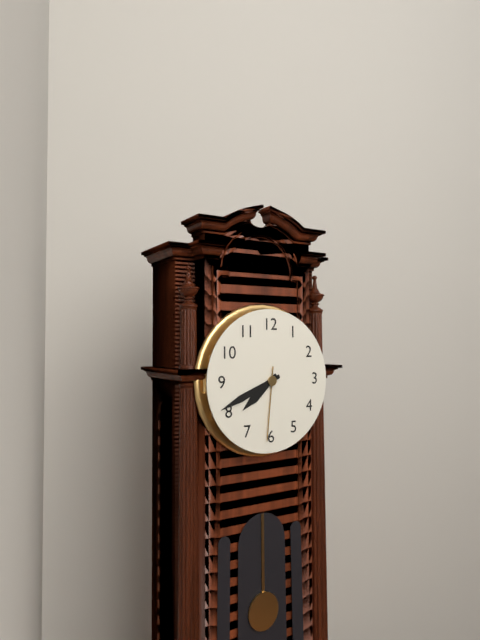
7:41:31
